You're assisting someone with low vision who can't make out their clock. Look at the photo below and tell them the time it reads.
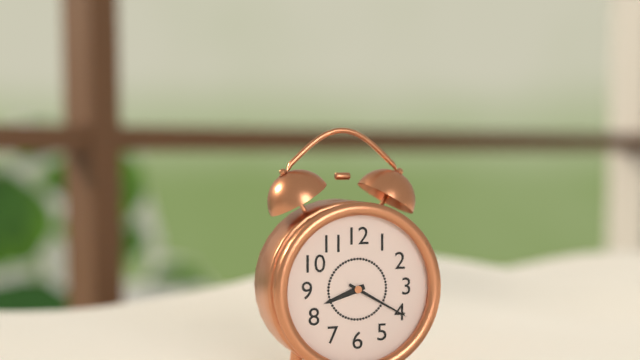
8:20
